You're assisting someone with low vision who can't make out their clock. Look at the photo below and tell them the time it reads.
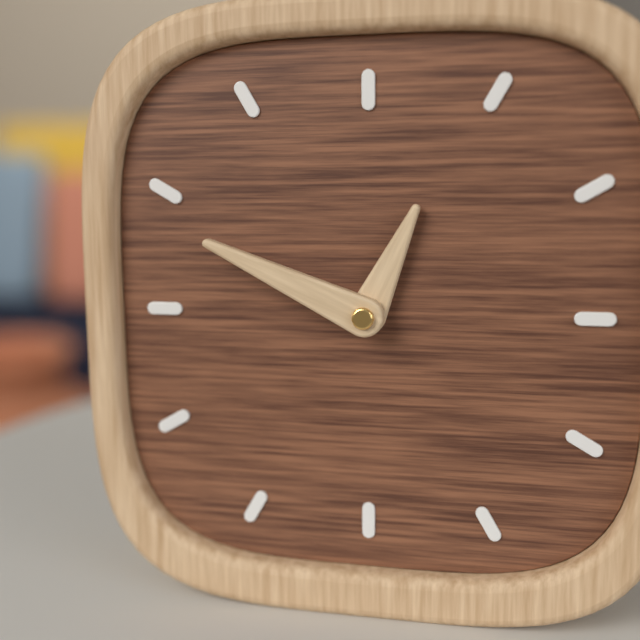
12:49
